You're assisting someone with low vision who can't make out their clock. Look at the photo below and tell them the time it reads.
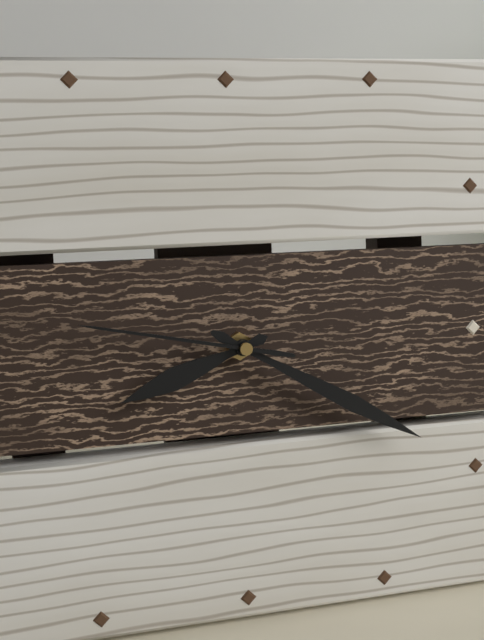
8:20:47
